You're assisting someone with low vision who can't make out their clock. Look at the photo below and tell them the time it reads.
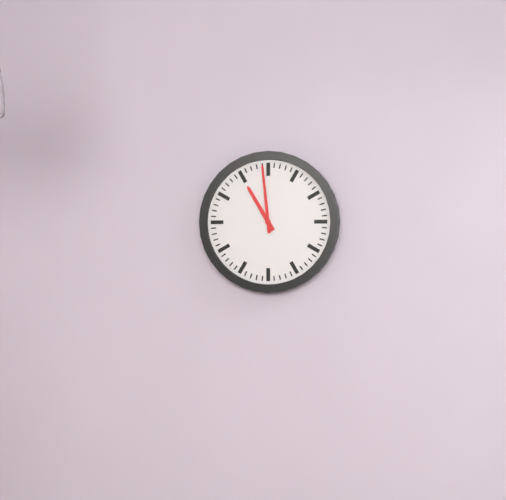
10:59
